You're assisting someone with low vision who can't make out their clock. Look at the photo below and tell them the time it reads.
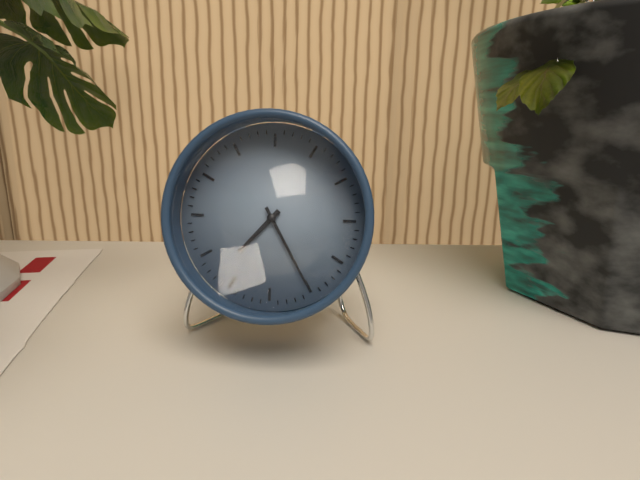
7:25
